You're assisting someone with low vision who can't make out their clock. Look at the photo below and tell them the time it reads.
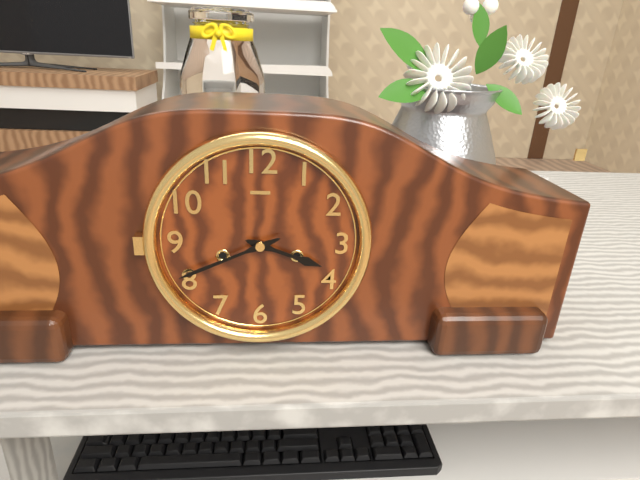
3:41
